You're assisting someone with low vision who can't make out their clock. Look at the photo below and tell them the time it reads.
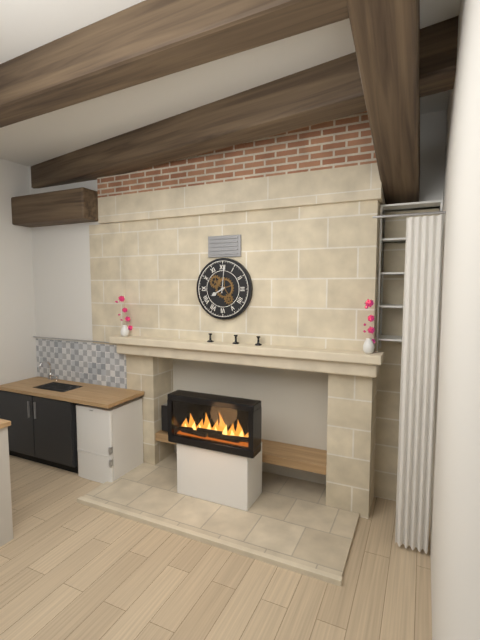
8:01
